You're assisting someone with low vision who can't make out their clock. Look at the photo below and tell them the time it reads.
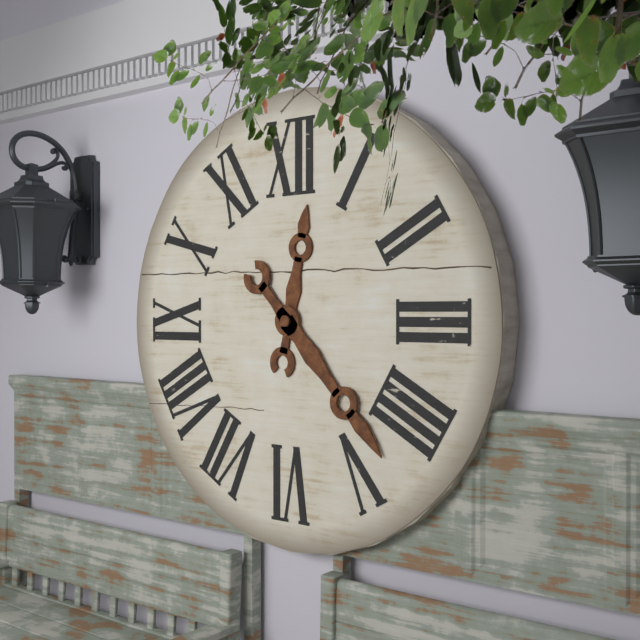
12:23
